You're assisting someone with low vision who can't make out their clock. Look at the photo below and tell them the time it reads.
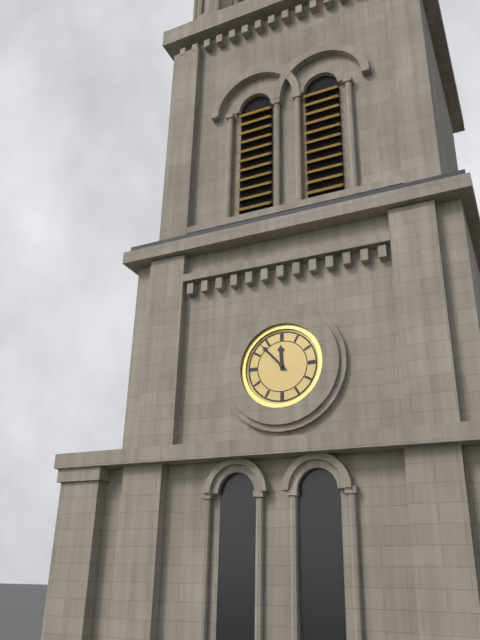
11:53
